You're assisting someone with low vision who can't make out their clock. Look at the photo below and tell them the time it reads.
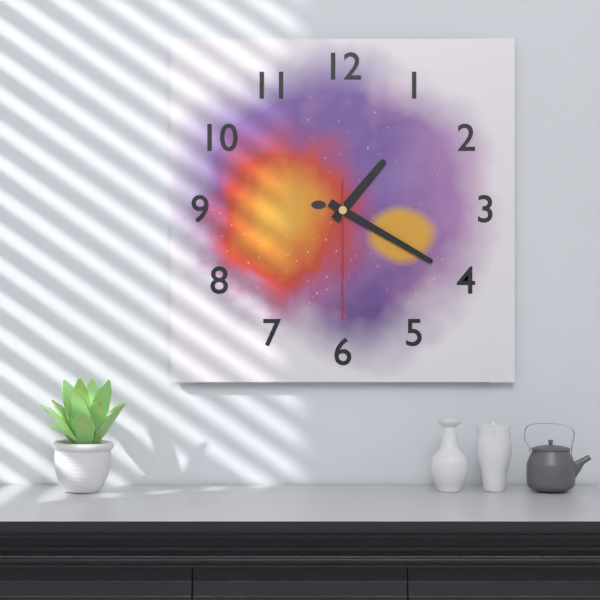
1:20:30
